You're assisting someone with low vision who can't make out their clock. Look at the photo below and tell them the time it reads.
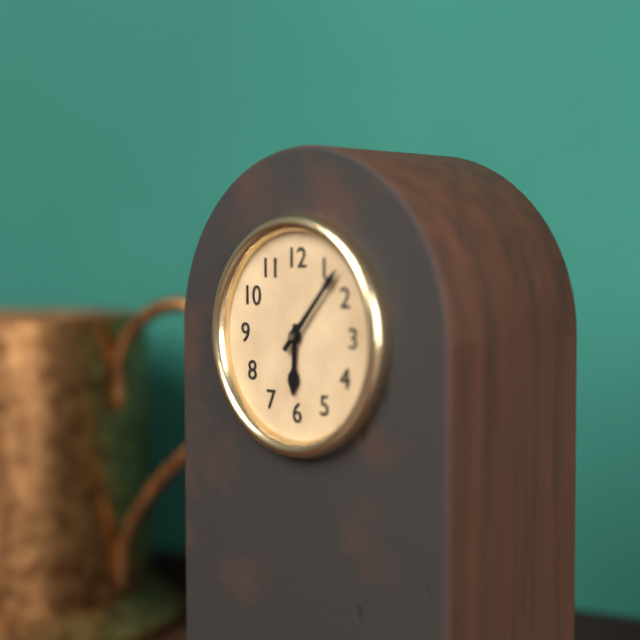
6:07
